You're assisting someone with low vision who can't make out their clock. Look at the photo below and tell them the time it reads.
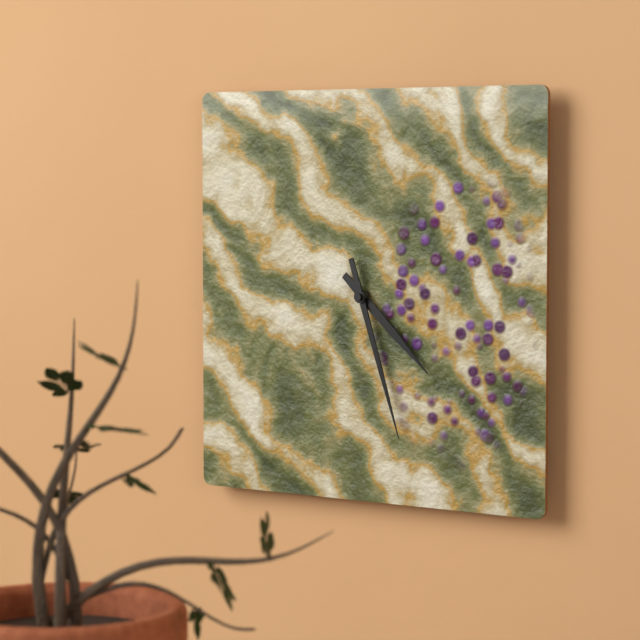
4:27
